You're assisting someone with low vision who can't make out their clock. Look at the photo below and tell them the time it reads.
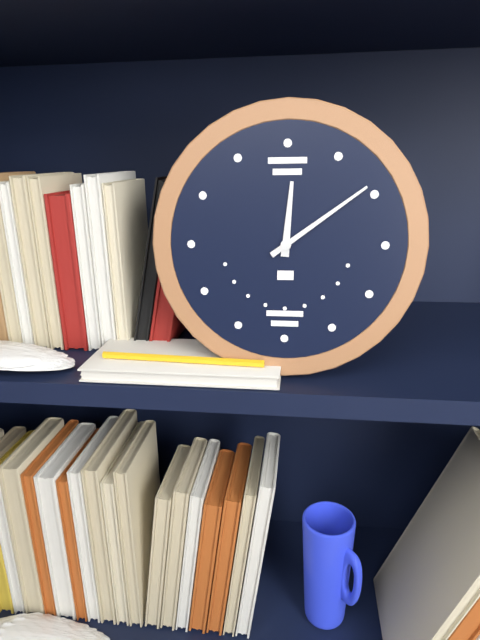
12:09
